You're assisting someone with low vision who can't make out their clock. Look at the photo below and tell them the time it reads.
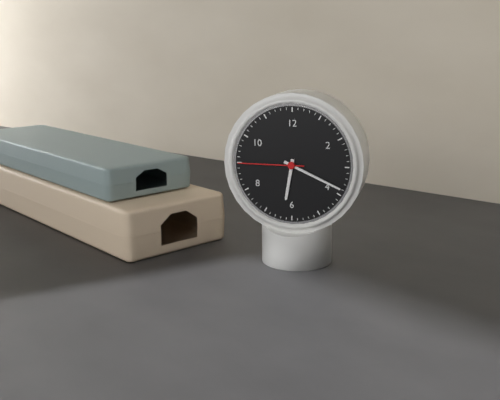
6:19:45
